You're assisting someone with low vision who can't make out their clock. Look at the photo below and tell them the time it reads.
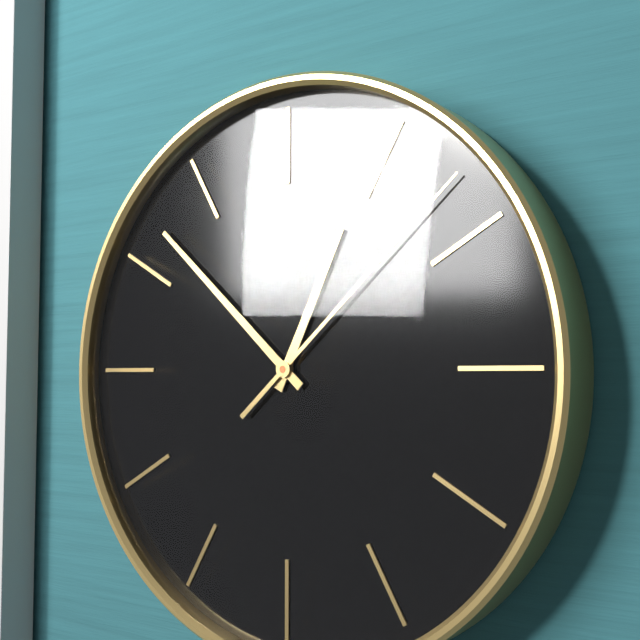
12:52:08
